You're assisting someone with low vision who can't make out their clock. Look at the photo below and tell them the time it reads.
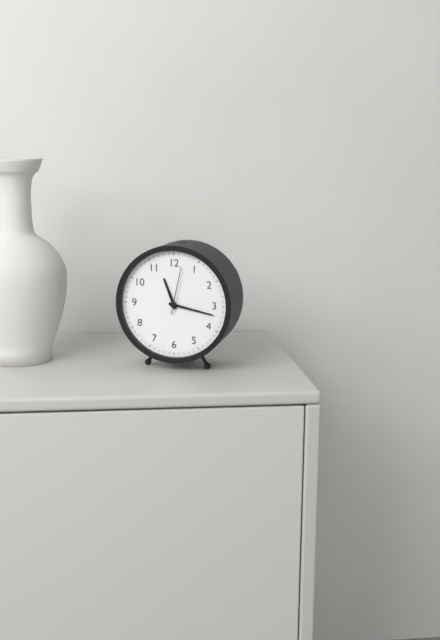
11:17
